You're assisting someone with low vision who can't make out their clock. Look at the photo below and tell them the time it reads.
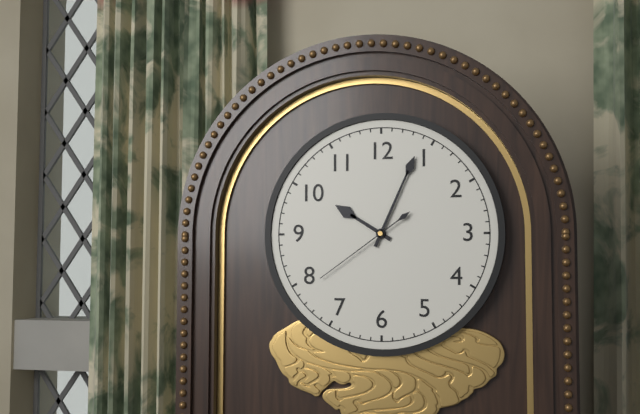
10:04:39
